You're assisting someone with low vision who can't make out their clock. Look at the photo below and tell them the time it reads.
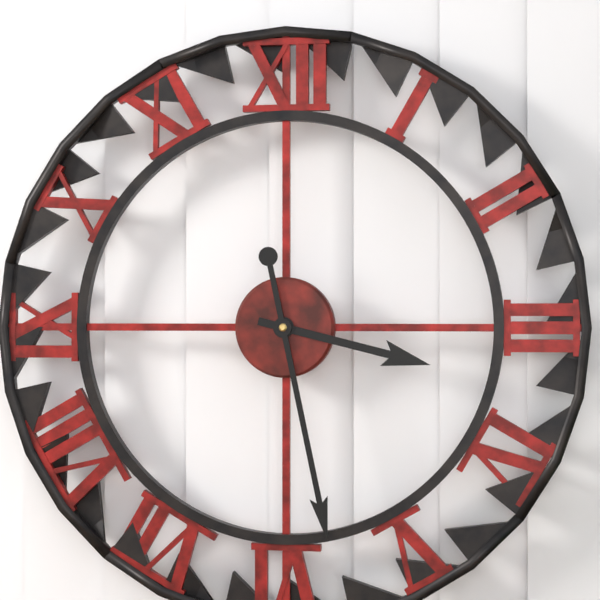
3:28
